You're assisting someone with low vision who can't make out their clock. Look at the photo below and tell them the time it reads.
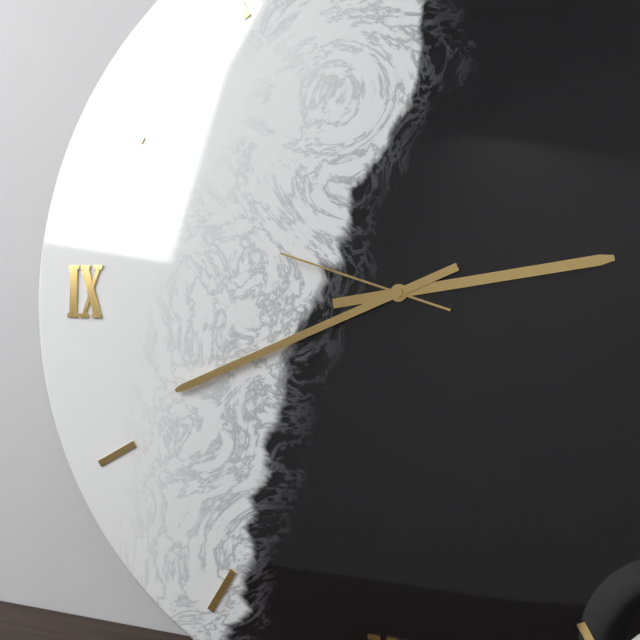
2:41:48
